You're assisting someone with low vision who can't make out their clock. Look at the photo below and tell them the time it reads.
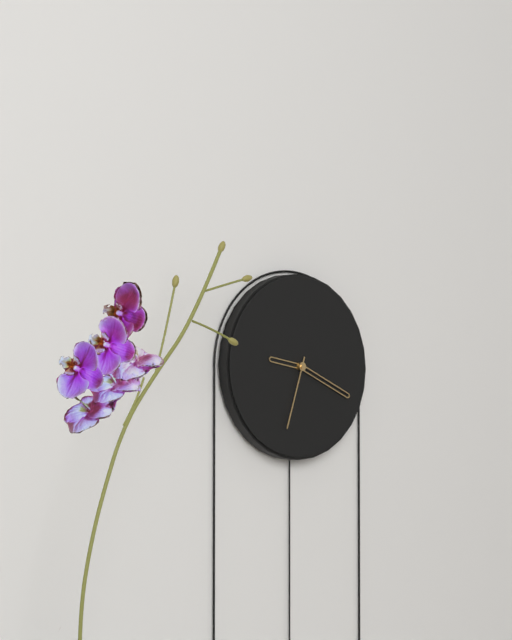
9:19:33
